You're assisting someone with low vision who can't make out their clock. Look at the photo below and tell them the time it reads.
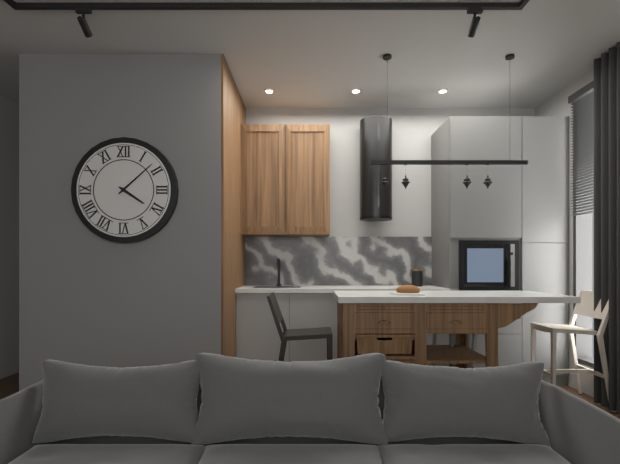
4:08
